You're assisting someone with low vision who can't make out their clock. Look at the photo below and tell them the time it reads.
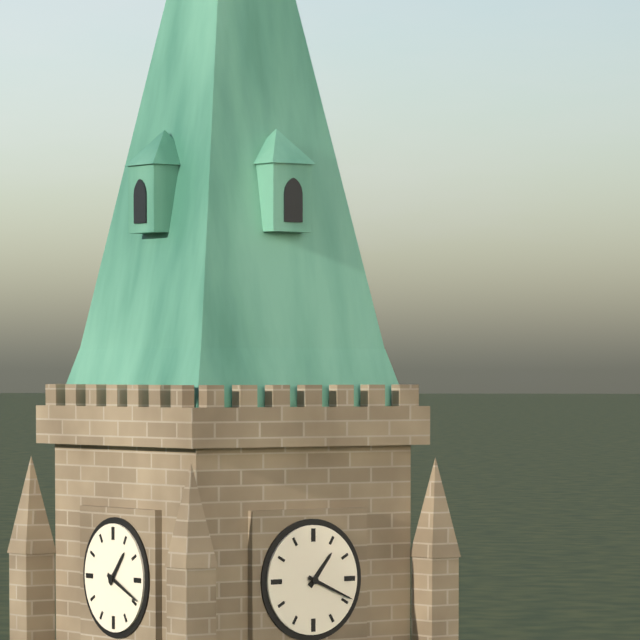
1:19
